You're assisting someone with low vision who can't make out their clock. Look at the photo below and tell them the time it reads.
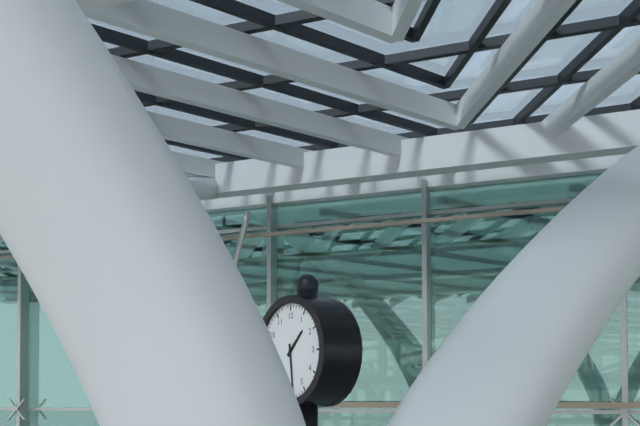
1:29
